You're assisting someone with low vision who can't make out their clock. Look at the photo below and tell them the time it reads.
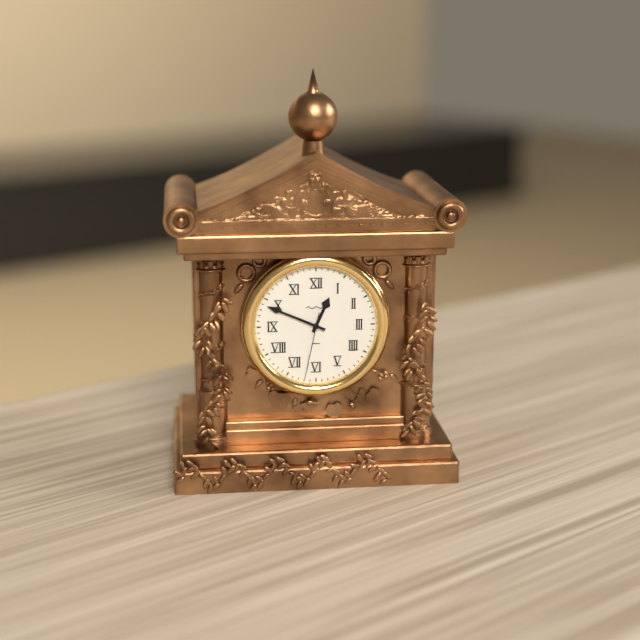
12:49:32
